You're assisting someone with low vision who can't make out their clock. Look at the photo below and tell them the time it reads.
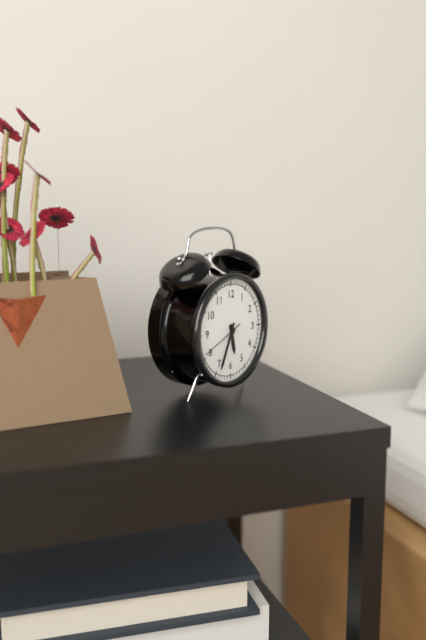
5:34
